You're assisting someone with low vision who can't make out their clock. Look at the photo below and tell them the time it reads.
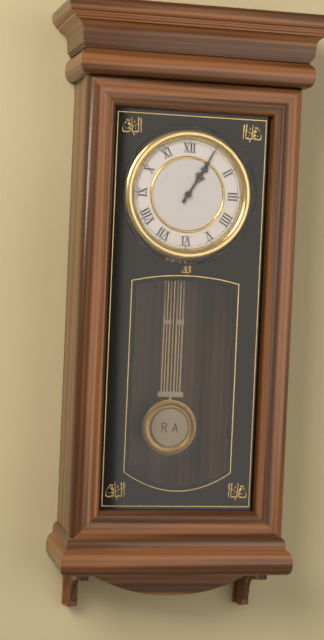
1:05
